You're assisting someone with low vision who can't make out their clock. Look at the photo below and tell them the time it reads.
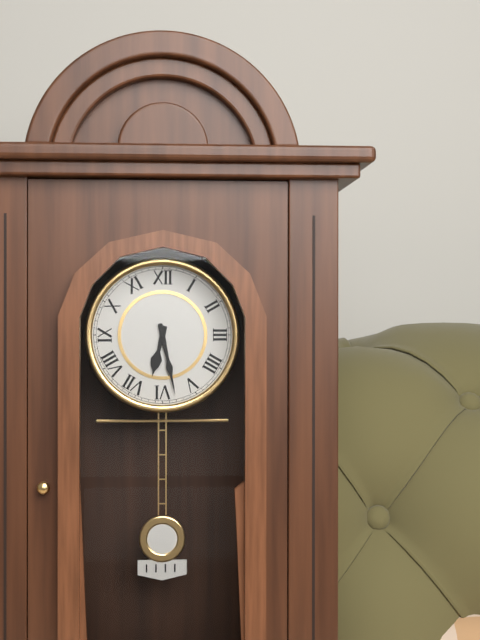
6:28
